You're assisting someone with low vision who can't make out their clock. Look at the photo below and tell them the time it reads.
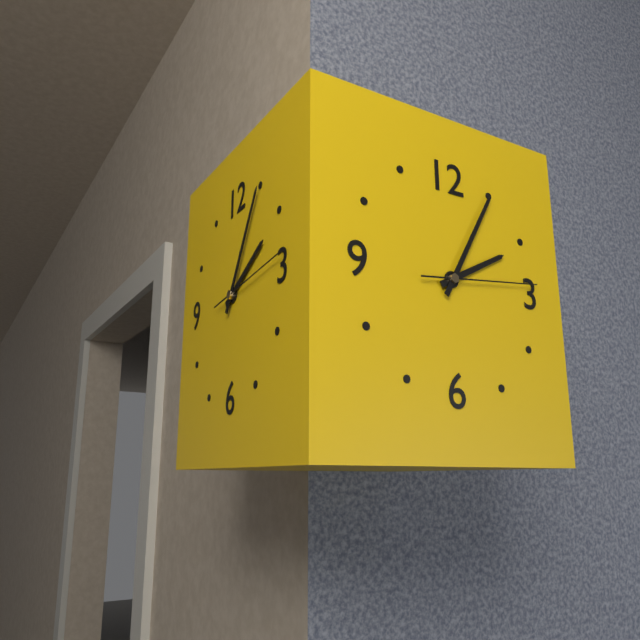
2:05:14
